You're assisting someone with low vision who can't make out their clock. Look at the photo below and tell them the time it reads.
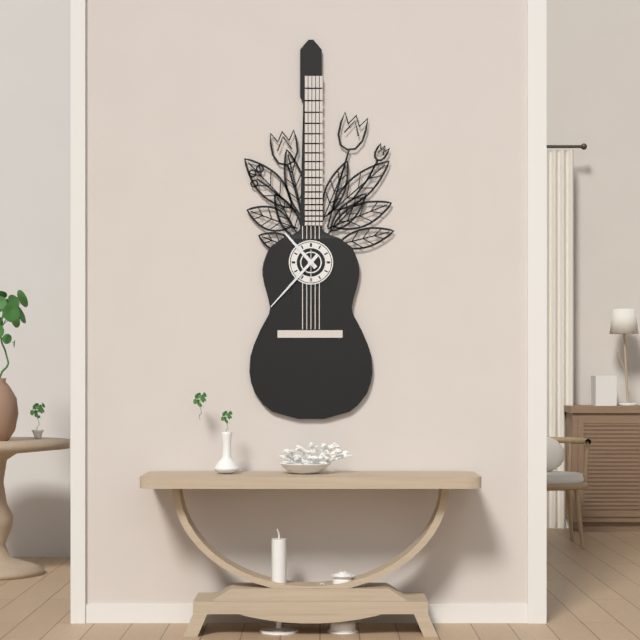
10:37:30
